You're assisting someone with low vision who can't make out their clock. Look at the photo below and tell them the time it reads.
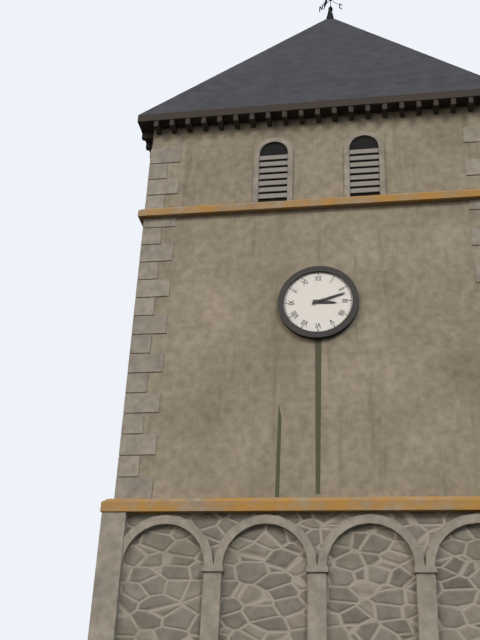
3:12
